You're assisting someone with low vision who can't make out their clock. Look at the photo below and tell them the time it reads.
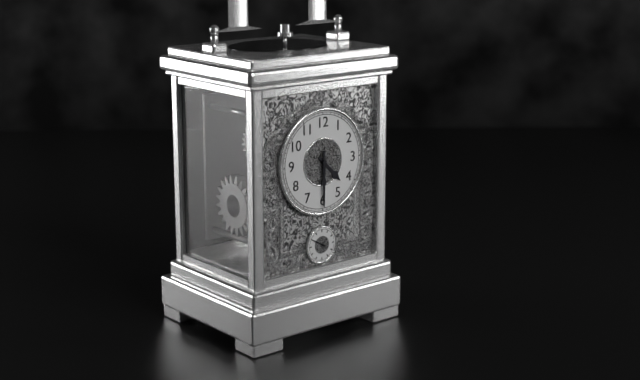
4:30
